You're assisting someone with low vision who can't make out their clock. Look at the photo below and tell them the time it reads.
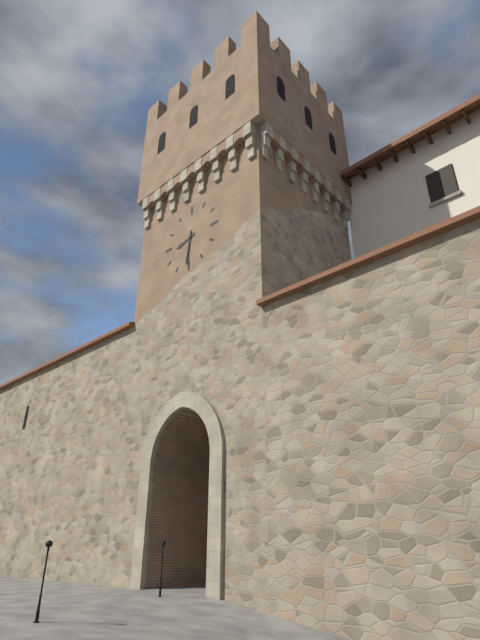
8:31
